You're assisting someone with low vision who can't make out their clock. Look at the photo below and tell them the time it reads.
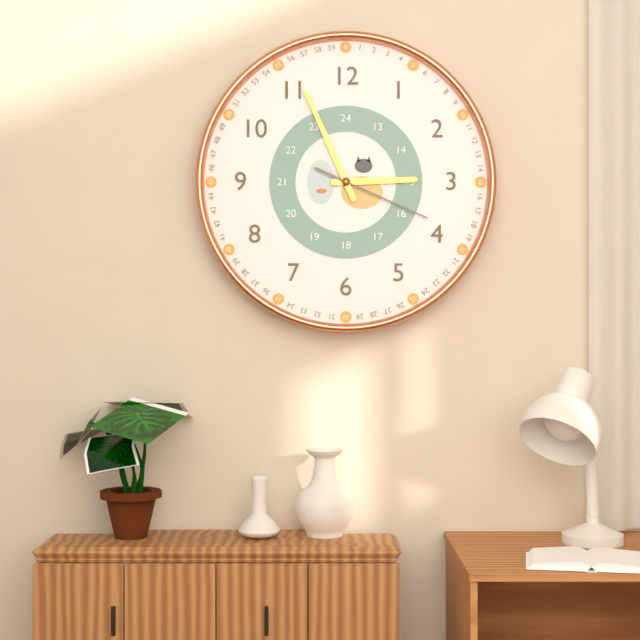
2:56:19
